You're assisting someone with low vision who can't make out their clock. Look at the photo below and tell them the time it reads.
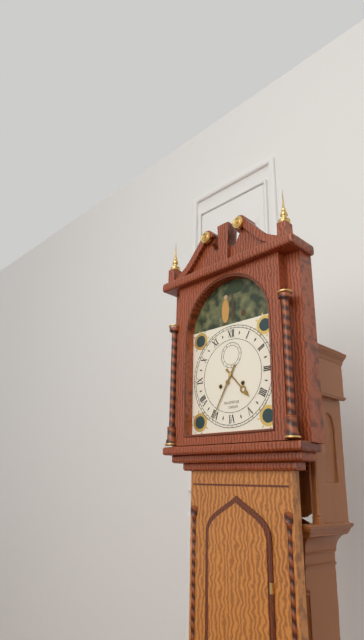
4:35
